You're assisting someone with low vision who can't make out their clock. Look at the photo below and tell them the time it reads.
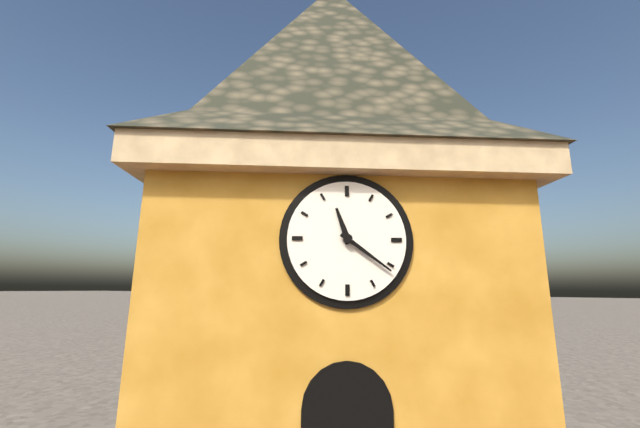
11:21
